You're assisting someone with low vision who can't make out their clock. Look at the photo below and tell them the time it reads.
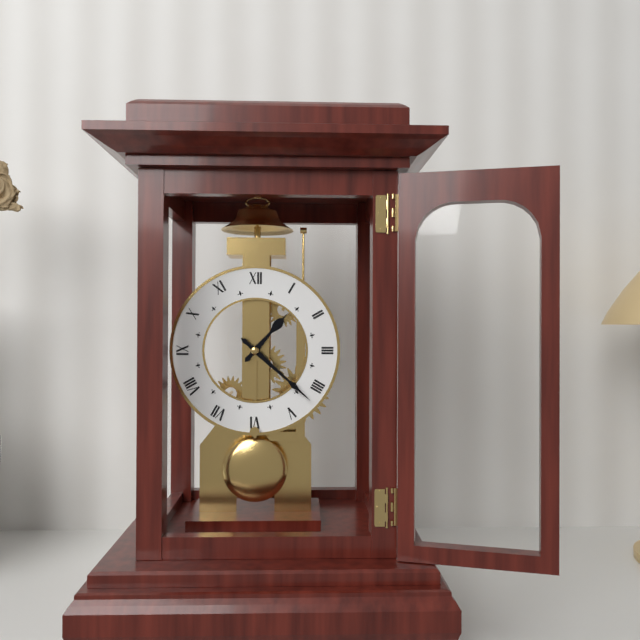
1:22
